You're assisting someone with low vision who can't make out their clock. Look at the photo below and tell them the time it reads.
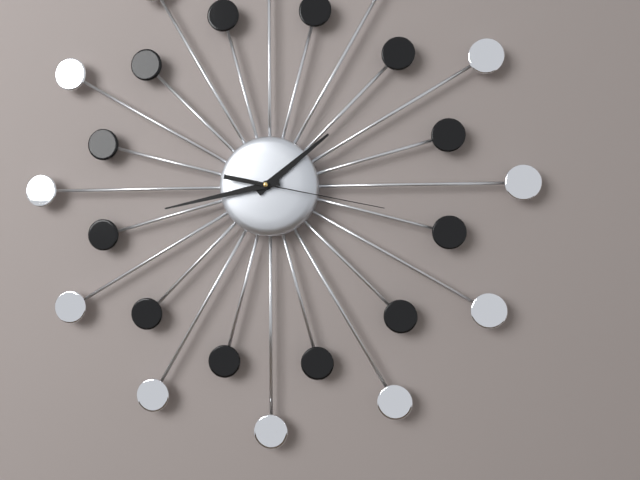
1:43:17
